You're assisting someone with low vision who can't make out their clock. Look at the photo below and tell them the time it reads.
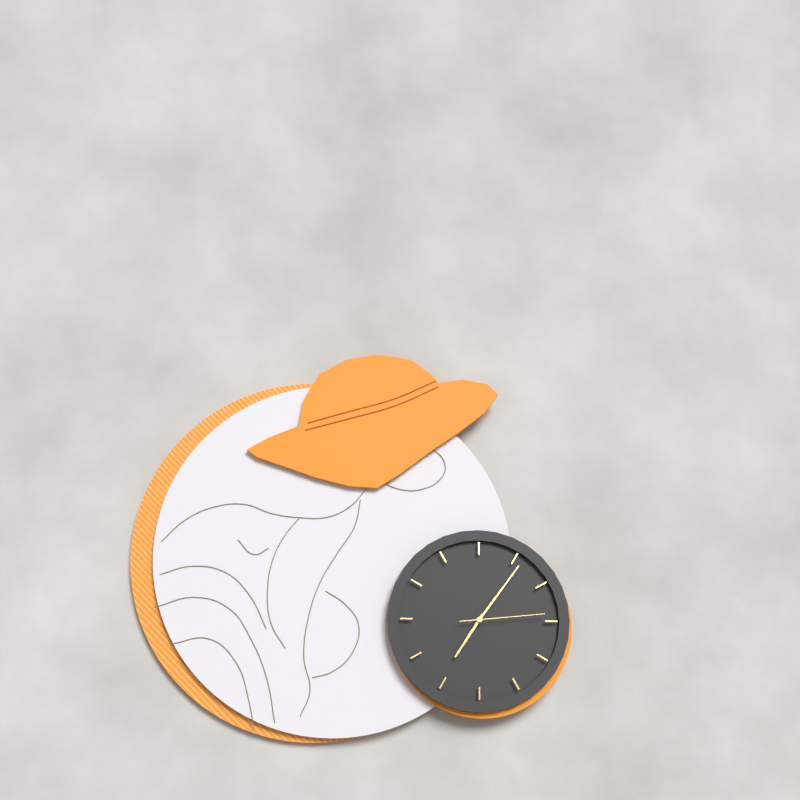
7:06:14
